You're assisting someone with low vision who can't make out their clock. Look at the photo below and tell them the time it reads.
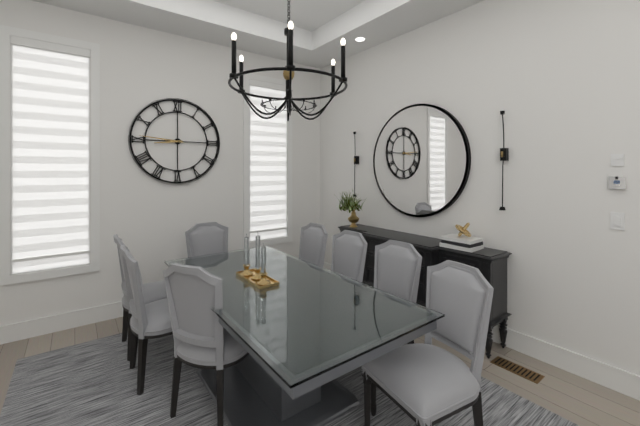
8:46
